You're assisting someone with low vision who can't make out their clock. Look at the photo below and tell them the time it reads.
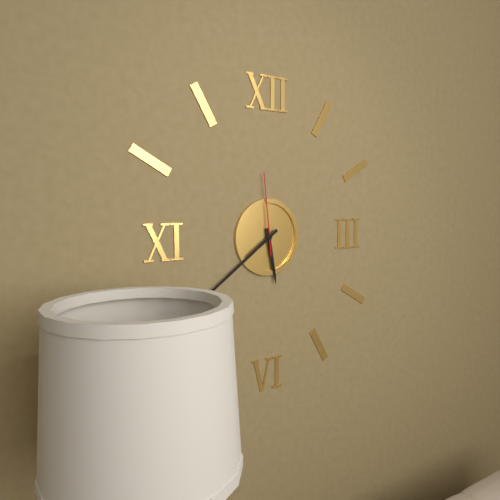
5:39:59
